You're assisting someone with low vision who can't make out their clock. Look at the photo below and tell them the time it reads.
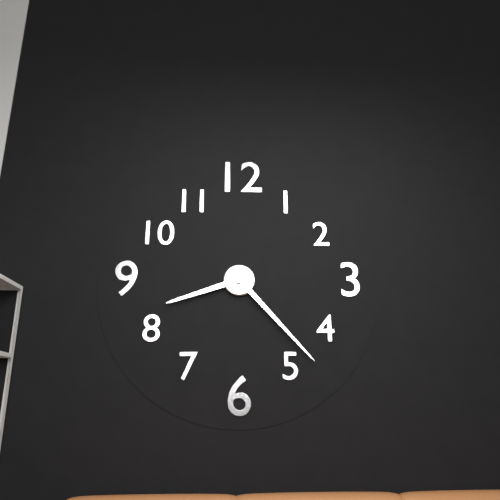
8:23
